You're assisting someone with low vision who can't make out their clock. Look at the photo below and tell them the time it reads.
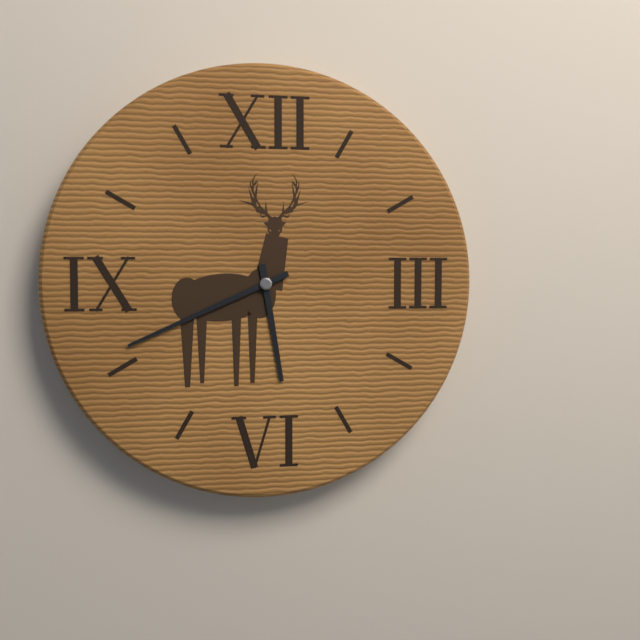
5:41
